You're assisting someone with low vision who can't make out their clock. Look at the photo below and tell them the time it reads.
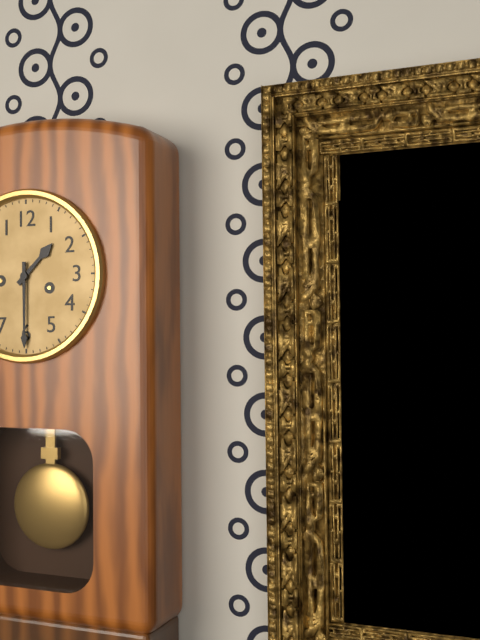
1:30
